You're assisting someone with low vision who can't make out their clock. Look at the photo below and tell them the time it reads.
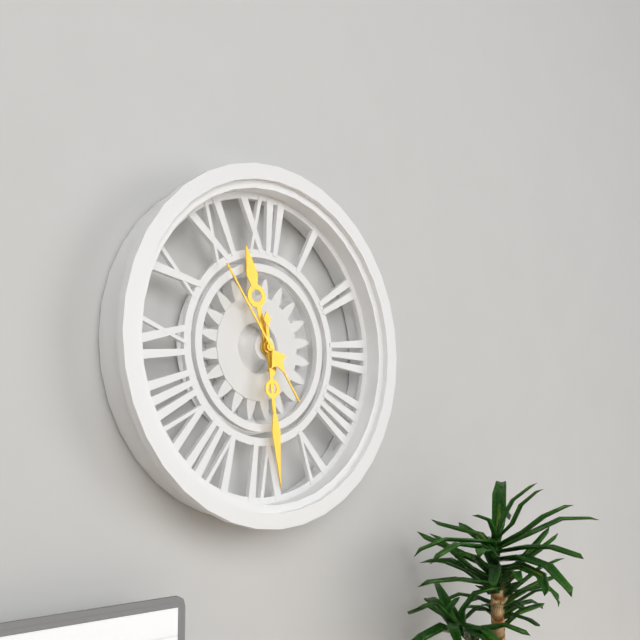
11:29:54
